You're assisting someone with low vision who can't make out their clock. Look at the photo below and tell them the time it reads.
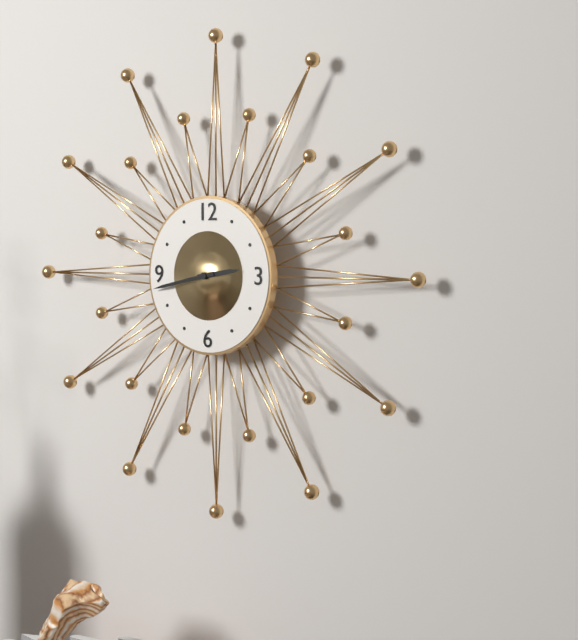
2:43
